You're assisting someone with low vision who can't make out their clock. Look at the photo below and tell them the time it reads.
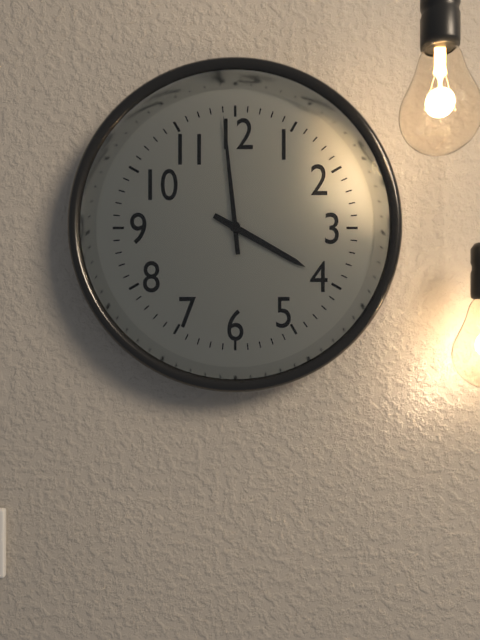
3:59
